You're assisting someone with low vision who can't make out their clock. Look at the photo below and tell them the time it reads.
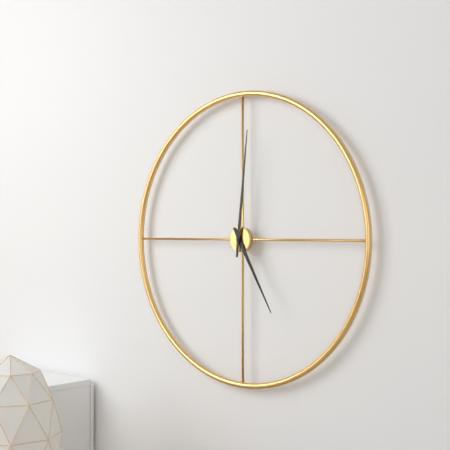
5:01
